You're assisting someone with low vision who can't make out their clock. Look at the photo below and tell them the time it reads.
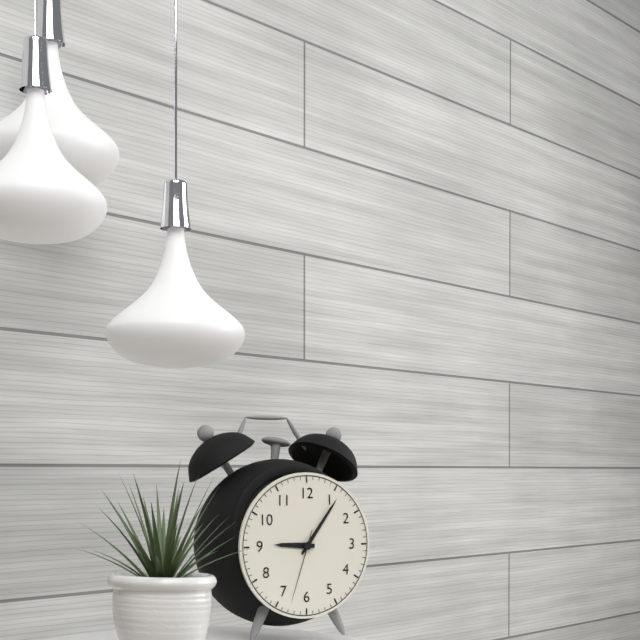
9:06:33
